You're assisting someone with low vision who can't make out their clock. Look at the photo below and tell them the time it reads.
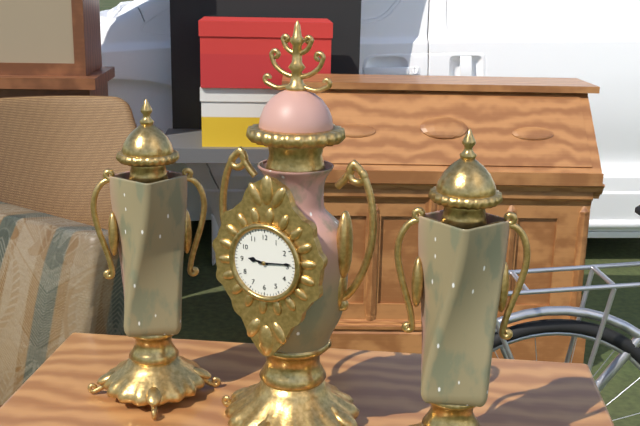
9:14
